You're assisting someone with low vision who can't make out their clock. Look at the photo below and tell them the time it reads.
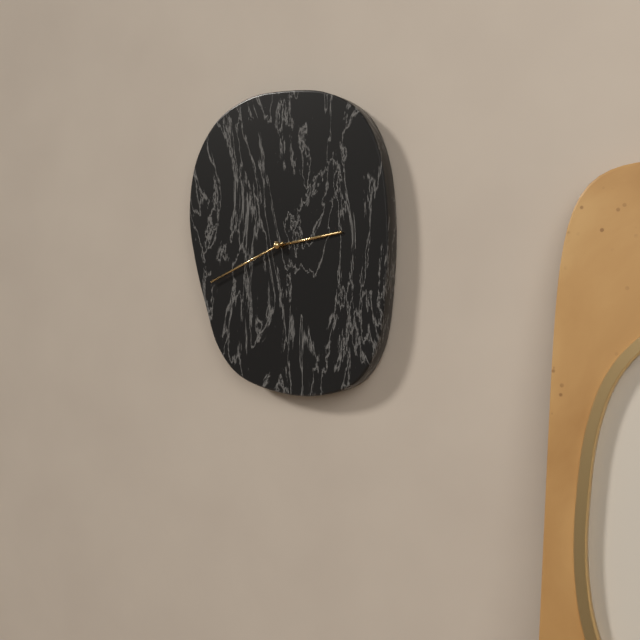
2:41
